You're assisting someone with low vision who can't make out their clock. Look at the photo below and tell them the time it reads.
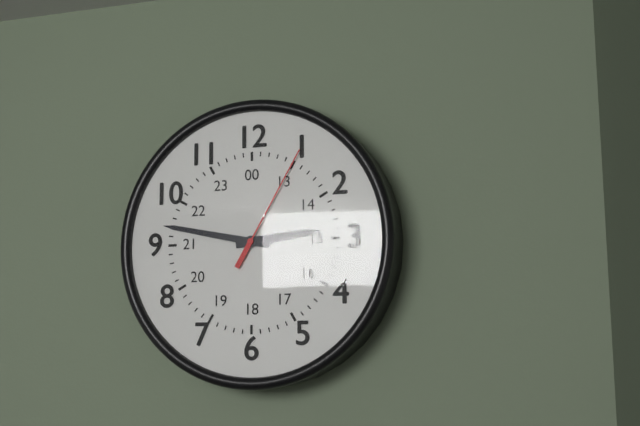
2:47:05
